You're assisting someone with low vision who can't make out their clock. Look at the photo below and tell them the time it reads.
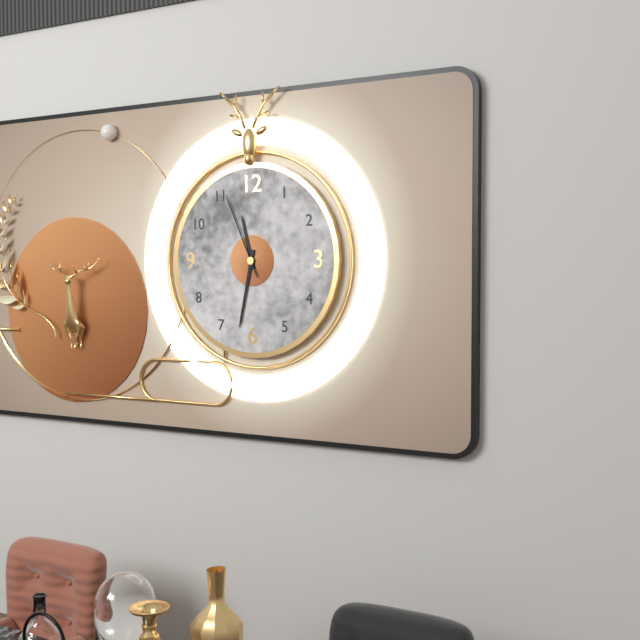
11:32:56
